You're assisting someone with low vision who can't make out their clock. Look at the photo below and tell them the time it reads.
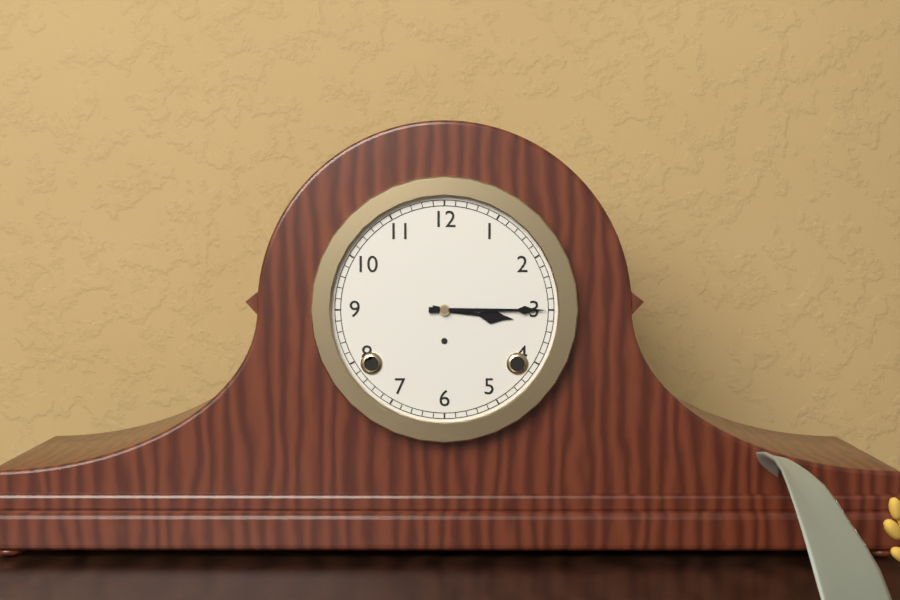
3:15
